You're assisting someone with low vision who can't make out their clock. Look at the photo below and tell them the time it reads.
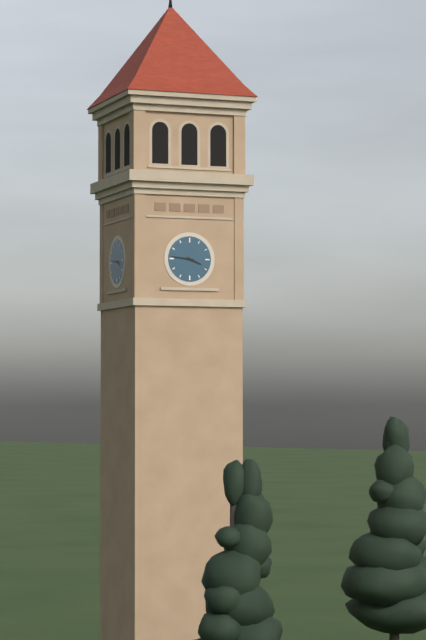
3:46
